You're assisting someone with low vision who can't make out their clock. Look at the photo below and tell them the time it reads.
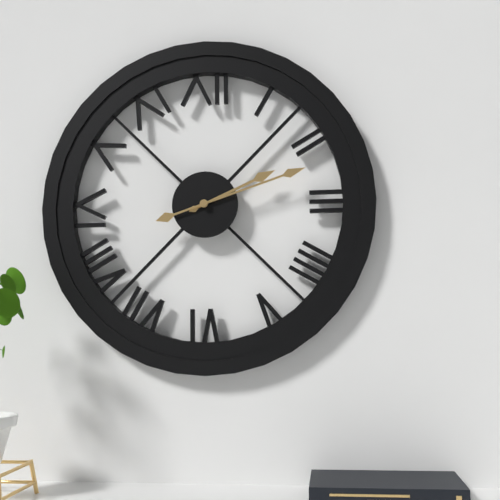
2:12
